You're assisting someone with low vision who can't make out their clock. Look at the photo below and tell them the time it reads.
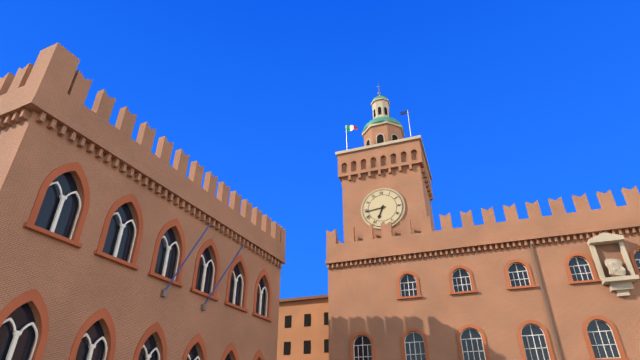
6:44
